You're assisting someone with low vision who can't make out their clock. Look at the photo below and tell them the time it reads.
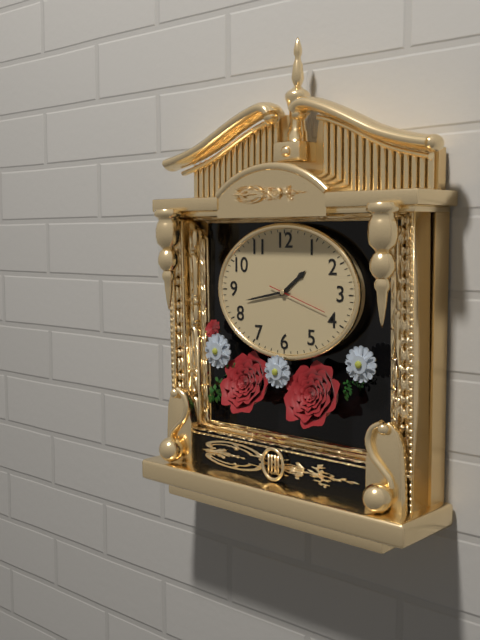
1:43:18
